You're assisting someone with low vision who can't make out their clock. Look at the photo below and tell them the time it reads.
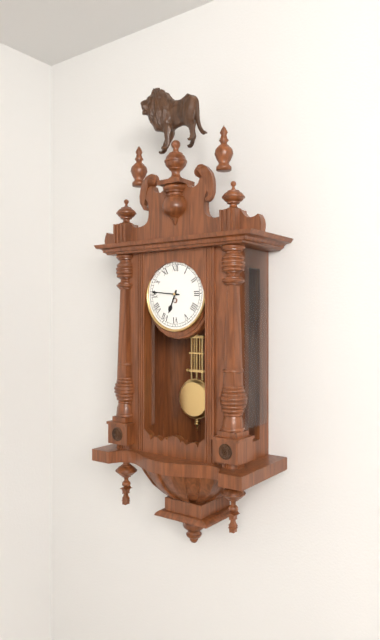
6:46
